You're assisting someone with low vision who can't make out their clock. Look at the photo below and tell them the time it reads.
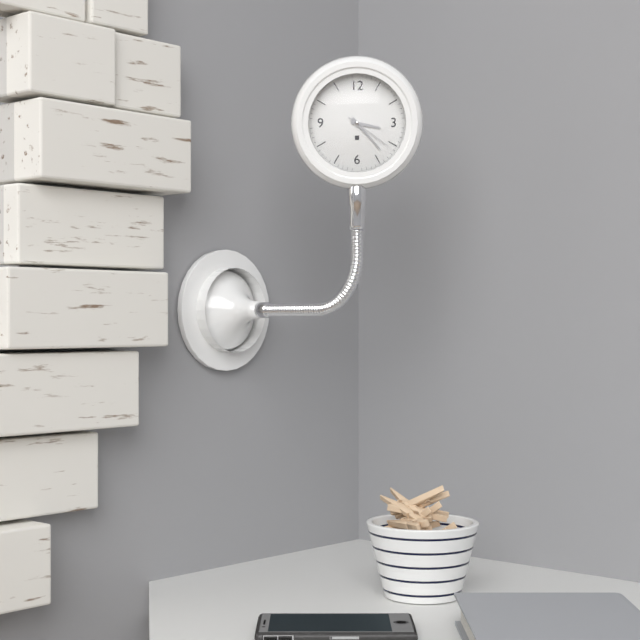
3:23
